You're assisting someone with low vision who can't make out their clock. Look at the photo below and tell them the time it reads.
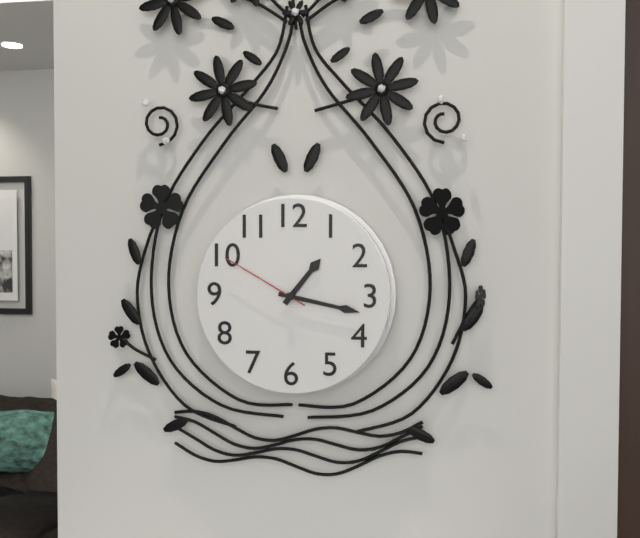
1:17:50
